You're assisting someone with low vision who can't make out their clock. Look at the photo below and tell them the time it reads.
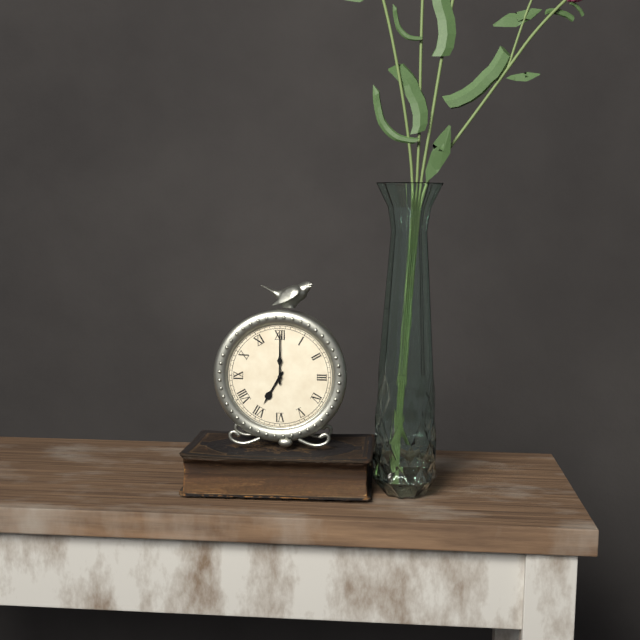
7:00
